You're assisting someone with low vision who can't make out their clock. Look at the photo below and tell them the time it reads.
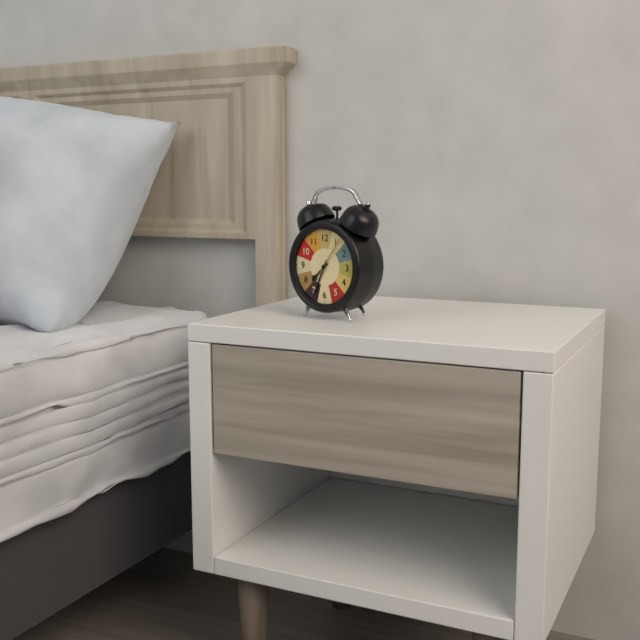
7:34
